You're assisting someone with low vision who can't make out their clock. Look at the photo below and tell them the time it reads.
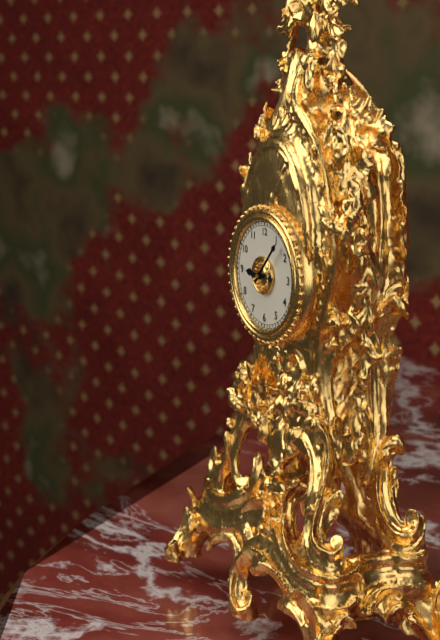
9:07
